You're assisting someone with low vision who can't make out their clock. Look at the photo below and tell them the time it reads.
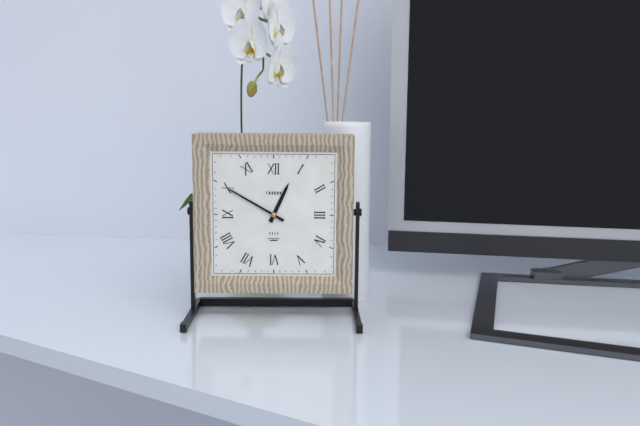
12:50
